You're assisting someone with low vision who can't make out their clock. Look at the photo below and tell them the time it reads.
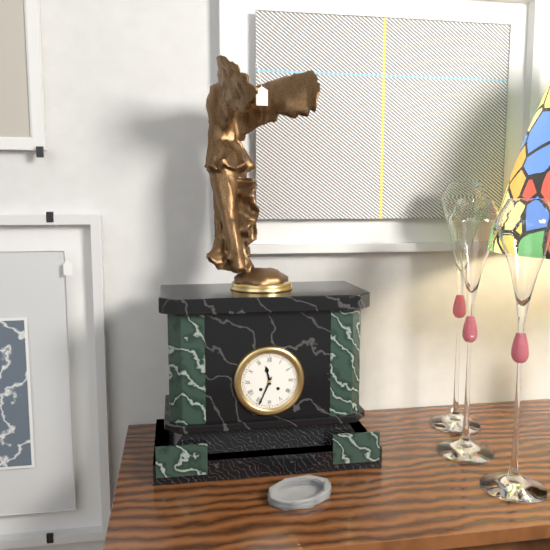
11:34
